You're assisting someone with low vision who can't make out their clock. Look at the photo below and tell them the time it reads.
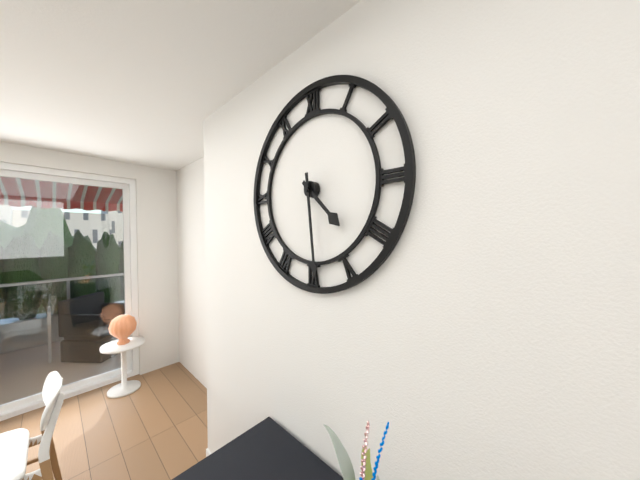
4:29
